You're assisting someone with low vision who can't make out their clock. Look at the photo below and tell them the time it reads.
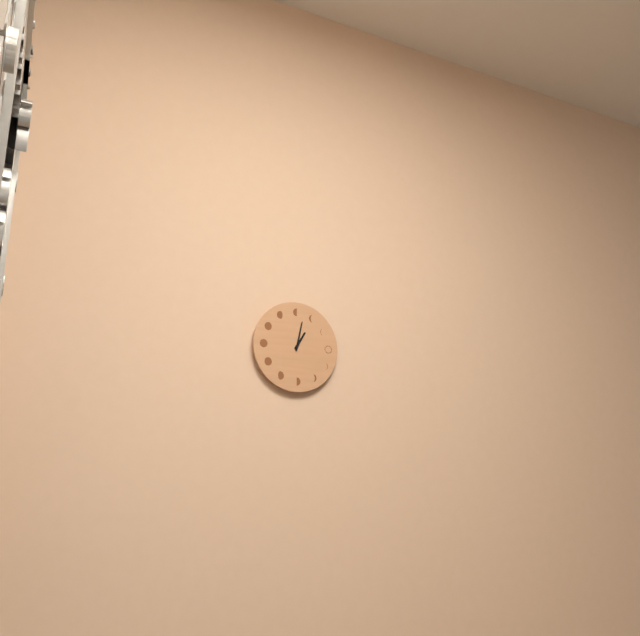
1:02
